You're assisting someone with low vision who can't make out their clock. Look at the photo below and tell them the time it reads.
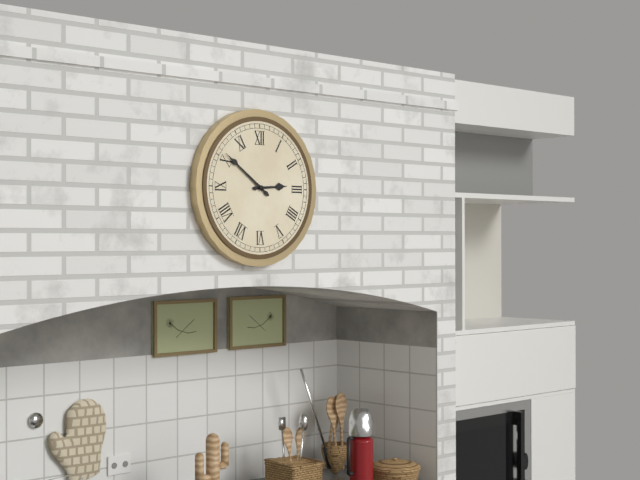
2:51
